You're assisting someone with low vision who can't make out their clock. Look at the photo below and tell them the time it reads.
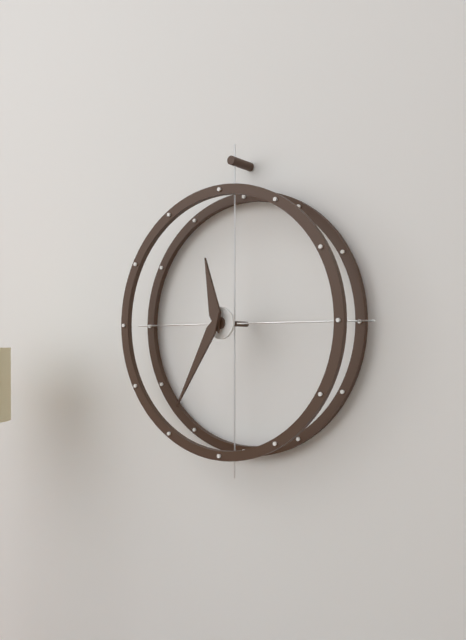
11:35
